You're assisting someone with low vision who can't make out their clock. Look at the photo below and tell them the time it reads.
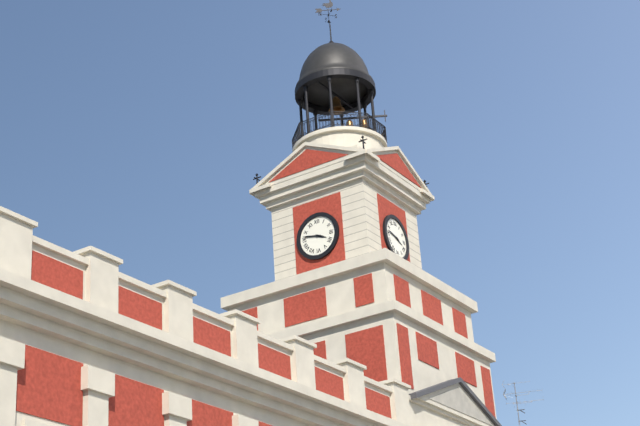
3:47
